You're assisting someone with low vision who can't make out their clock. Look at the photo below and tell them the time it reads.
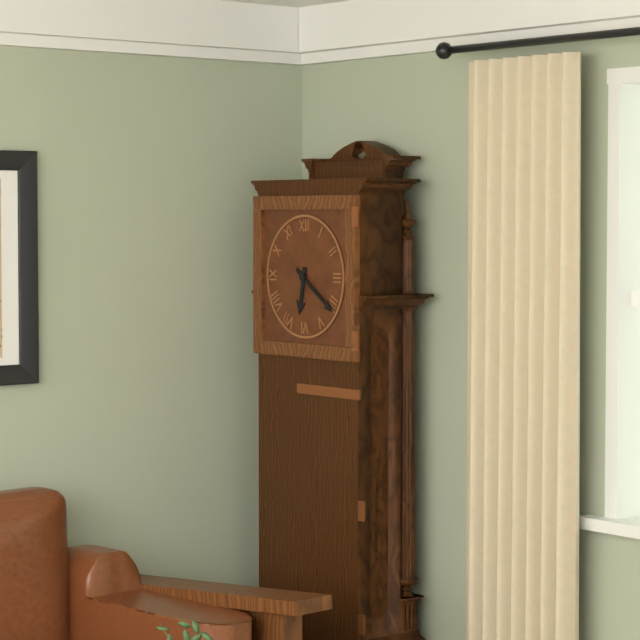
6:21
